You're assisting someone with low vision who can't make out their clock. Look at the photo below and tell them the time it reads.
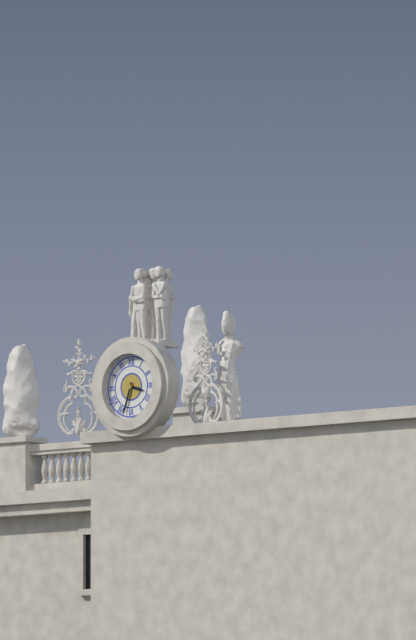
3:33
